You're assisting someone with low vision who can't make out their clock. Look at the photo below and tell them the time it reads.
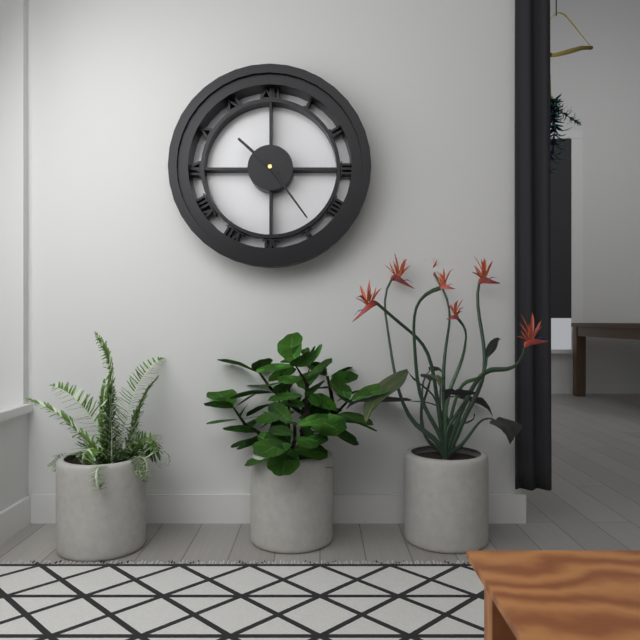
10:24
